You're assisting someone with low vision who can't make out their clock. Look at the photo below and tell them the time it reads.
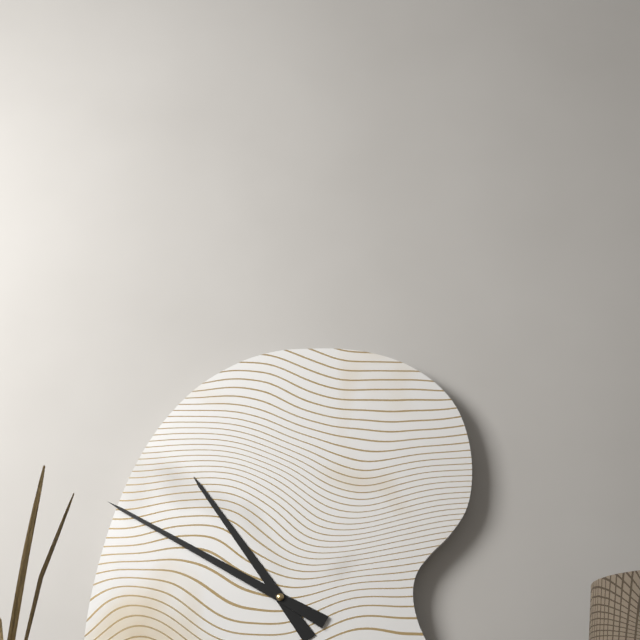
10:50
